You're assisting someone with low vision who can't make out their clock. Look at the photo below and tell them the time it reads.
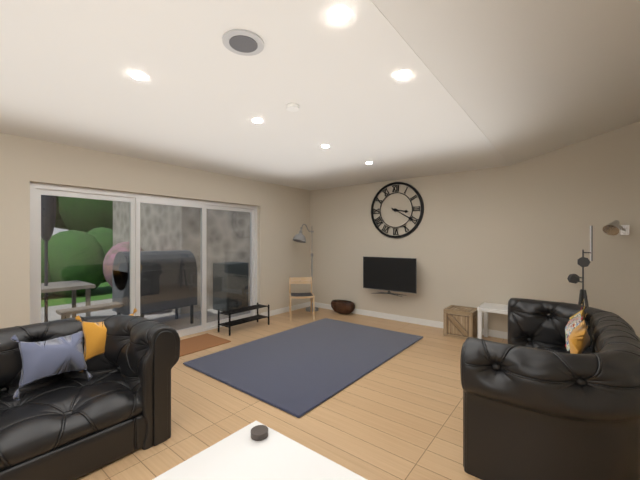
3:20
